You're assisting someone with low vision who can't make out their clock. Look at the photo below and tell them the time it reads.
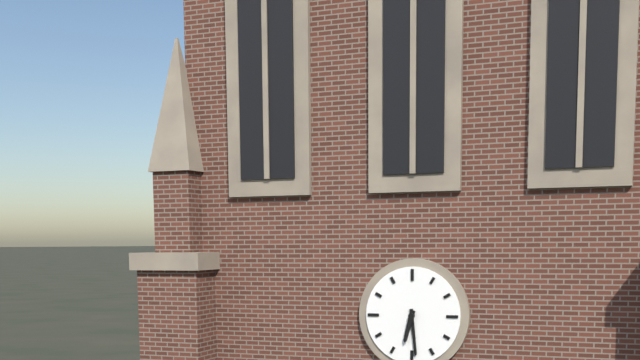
6:29
